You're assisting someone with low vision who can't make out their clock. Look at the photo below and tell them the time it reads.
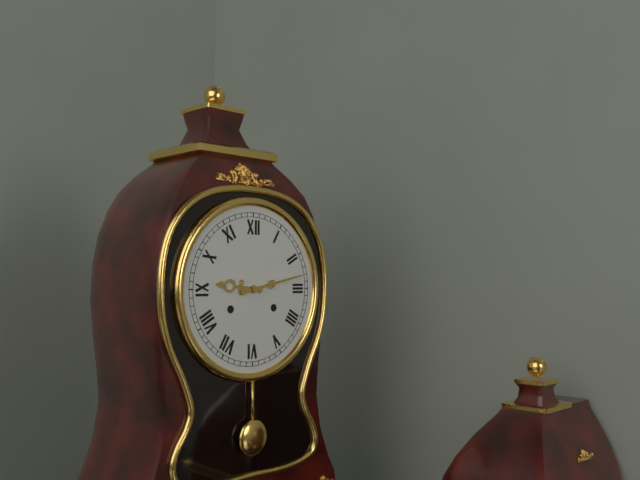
9:13
